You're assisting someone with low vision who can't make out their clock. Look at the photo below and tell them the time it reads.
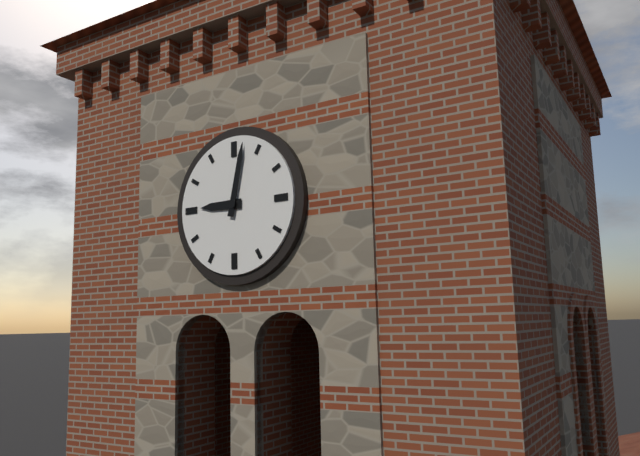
9:02
